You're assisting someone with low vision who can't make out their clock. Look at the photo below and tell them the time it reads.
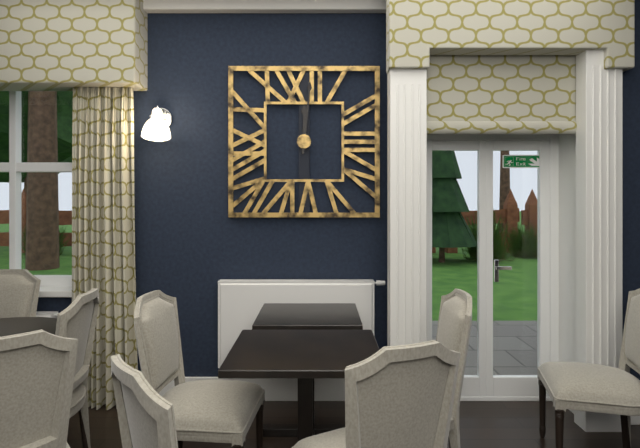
12:01
